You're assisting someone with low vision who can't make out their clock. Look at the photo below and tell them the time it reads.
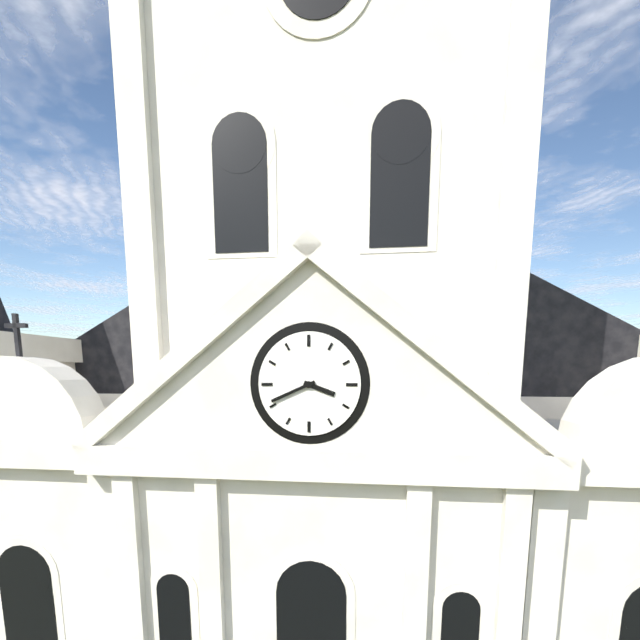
3:41
